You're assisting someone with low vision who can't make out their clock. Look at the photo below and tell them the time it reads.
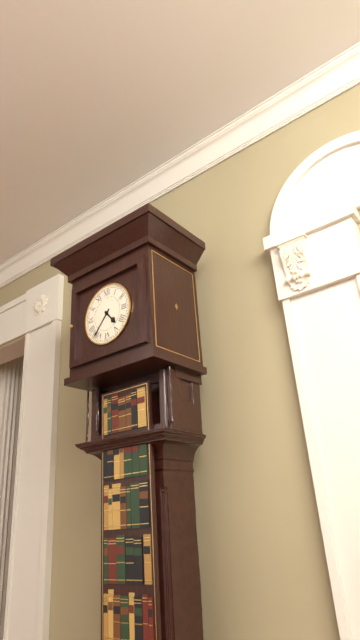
4:37
